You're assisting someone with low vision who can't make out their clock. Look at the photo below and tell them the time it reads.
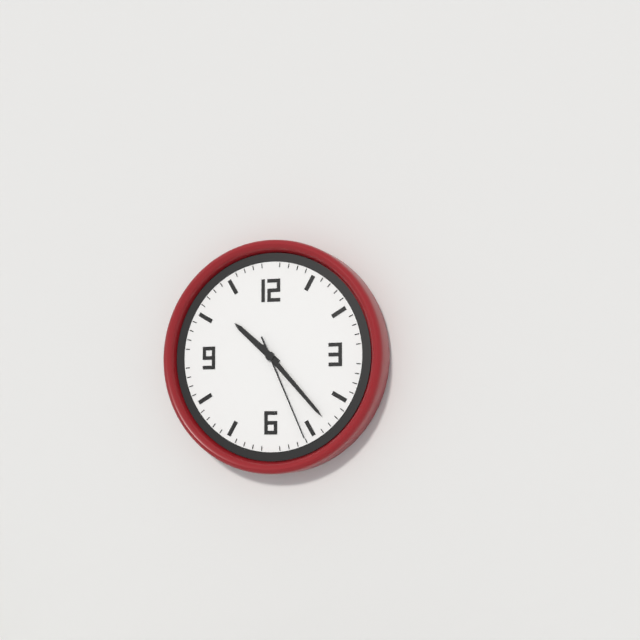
10:23:26
